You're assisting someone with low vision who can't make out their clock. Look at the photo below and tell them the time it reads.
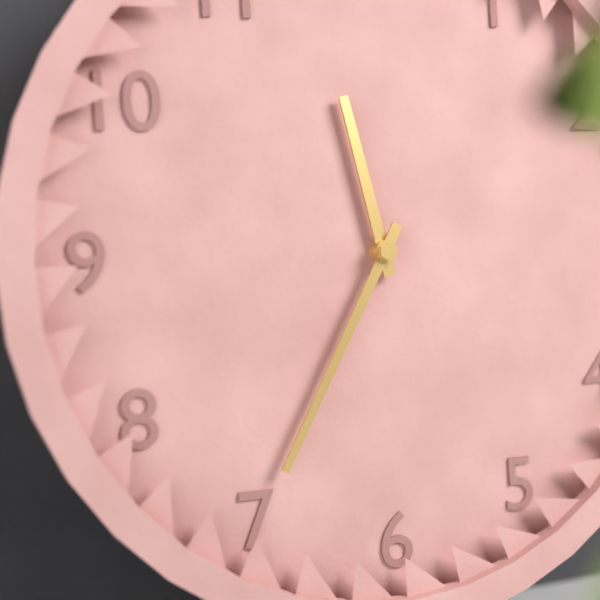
11:35
